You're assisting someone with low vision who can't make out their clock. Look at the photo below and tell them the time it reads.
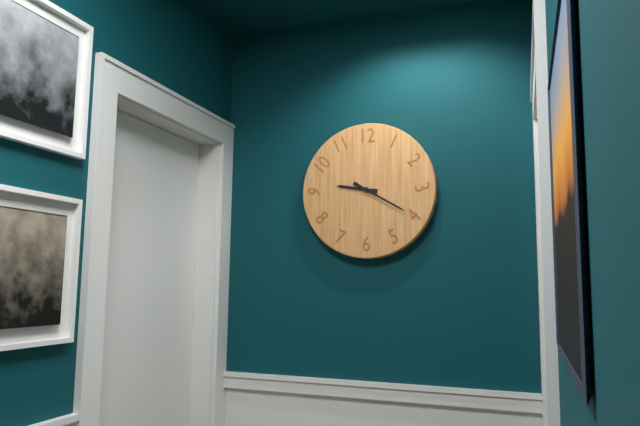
9:20
